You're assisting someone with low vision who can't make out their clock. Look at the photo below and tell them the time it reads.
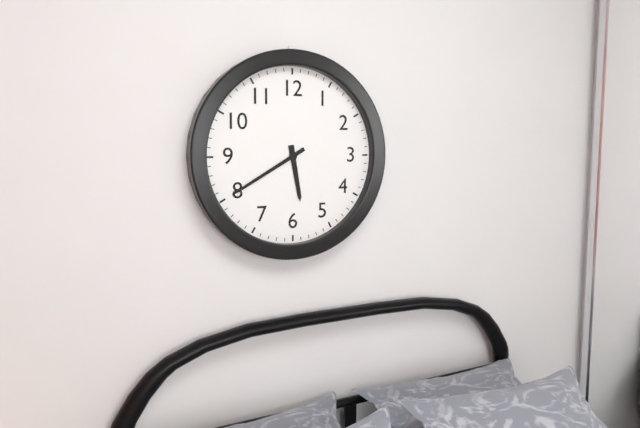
5:40
